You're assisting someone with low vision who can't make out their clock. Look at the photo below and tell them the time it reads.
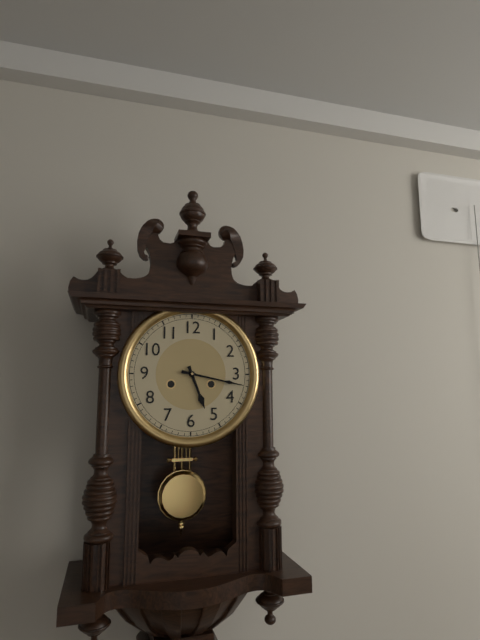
5:17
